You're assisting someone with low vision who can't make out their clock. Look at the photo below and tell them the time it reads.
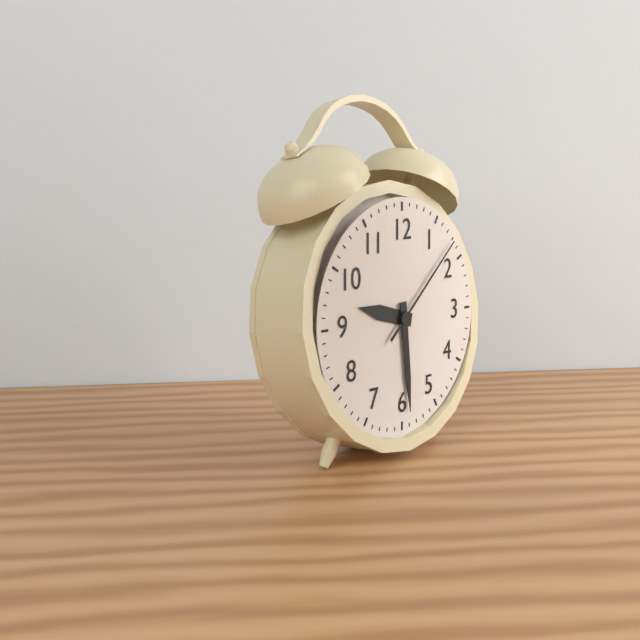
9:29:08
